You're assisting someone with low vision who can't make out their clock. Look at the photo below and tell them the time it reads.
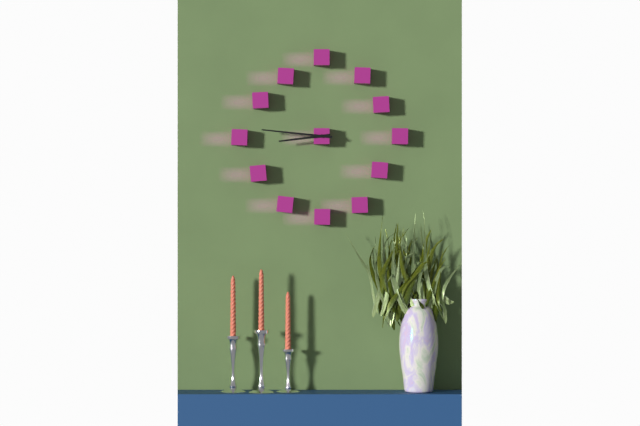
8:46
